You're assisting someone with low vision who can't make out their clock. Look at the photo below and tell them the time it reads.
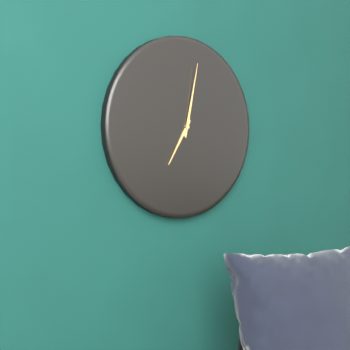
7:02
